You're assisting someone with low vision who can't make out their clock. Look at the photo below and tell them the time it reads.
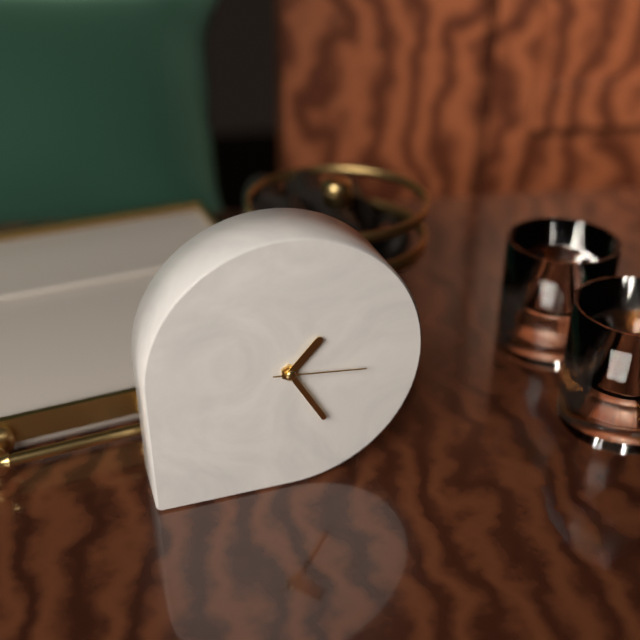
1:25:16
